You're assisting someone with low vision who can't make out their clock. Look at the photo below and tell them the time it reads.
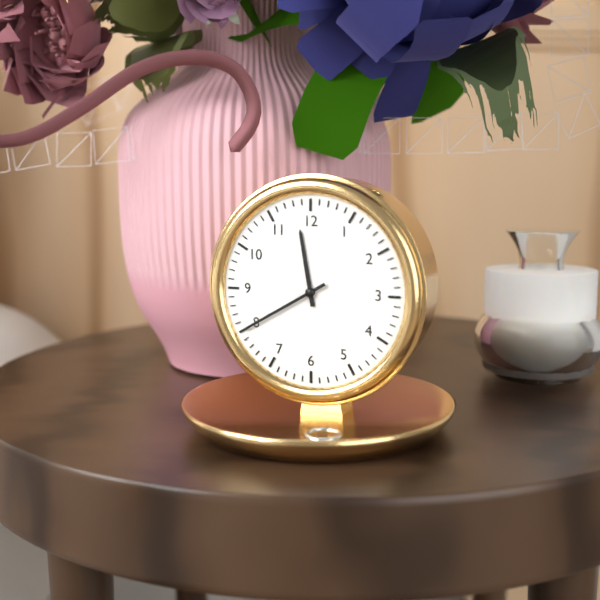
11:40
